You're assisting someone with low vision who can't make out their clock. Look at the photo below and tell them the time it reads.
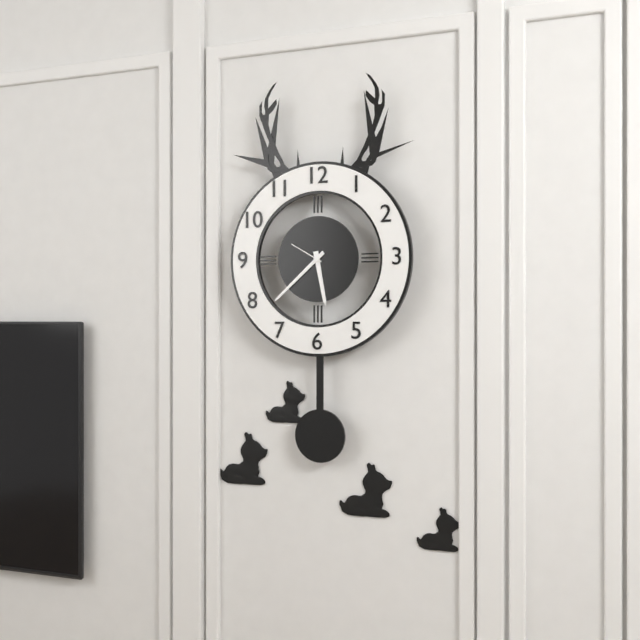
5:38
